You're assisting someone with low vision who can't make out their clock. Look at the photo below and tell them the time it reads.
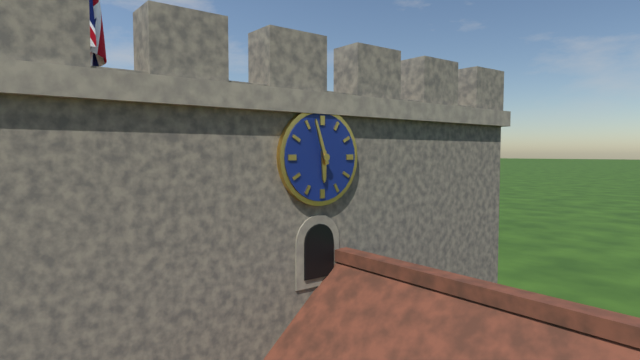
5:57
